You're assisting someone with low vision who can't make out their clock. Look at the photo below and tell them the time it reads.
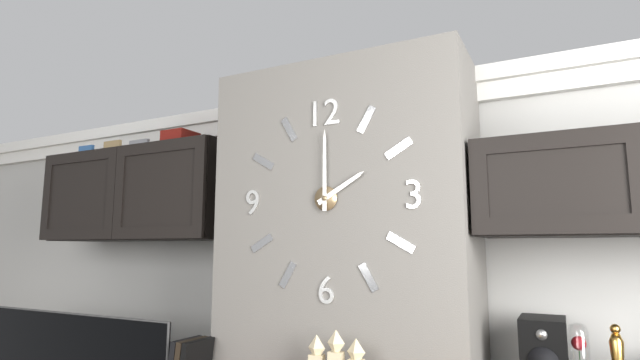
2:00
